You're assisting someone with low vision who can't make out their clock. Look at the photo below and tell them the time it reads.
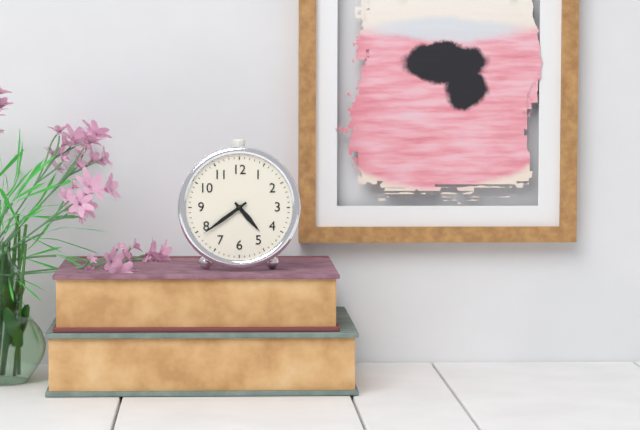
4:39
